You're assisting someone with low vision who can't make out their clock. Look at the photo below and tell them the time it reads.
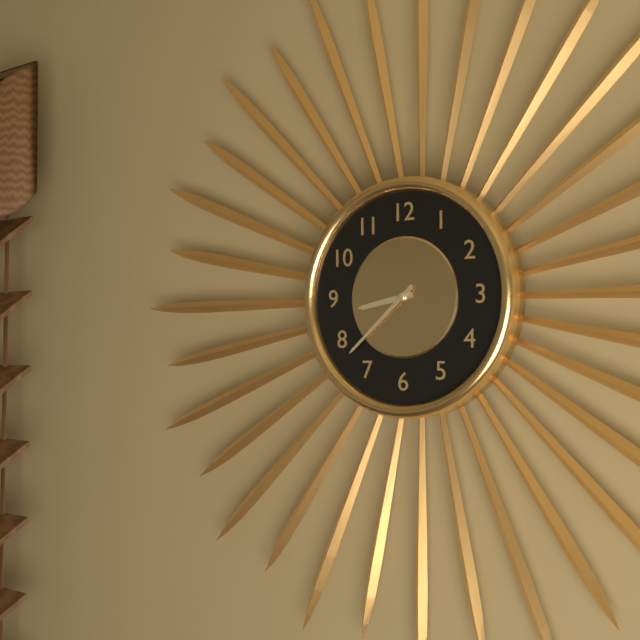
8:38
